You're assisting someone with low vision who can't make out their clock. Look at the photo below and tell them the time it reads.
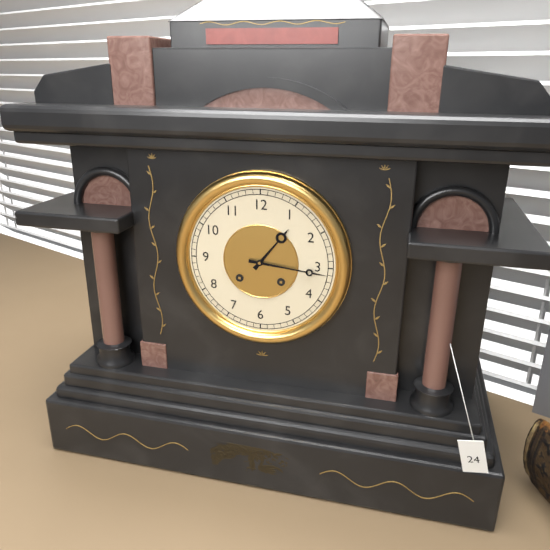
1:16
